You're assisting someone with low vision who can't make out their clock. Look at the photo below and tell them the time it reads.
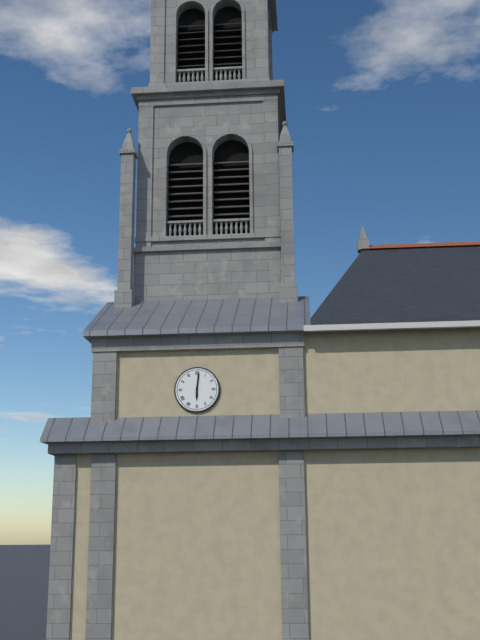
6:01
